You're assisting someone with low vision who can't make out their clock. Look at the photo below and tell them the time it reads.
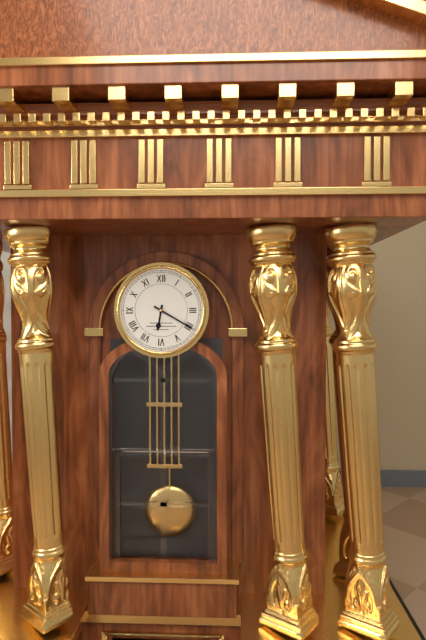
6:20
